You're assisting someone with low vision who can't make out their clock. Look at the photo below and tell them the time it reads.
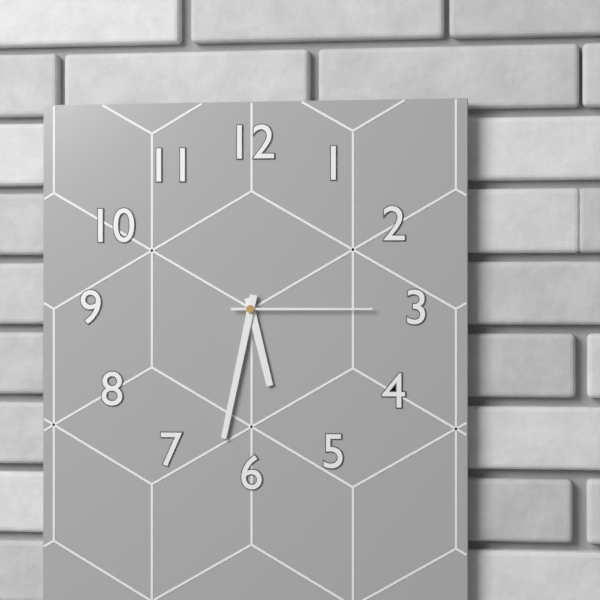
5:32:15
